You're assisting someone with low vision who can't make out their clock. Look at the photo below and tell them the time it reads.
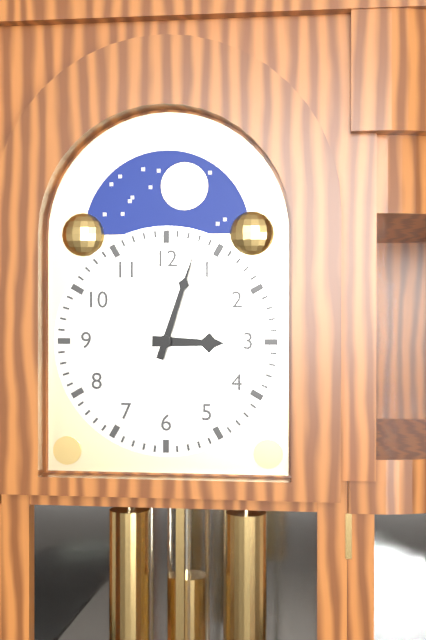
3:03
